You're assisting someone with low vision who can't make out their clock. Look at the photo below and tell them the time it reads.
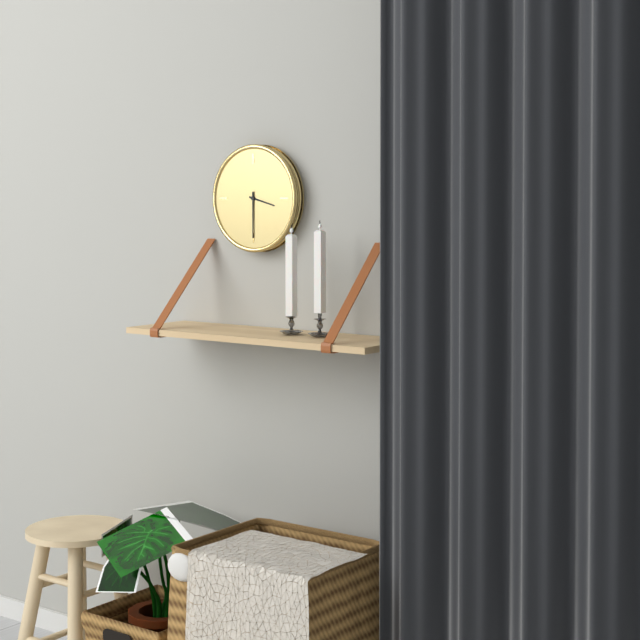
3:30
